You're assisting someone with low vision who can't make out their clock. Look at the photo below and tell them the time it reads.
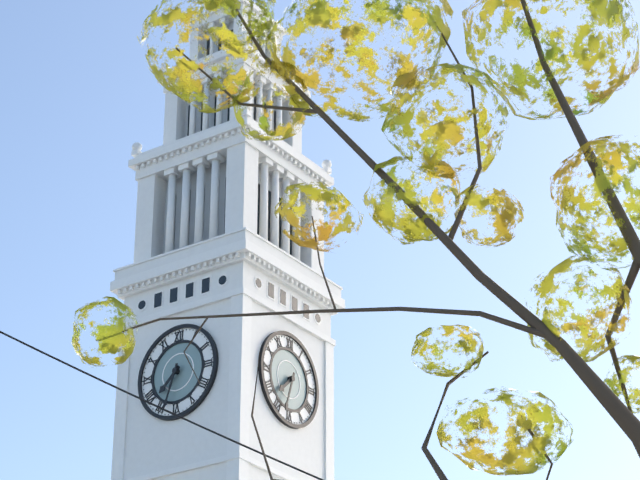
7:33
